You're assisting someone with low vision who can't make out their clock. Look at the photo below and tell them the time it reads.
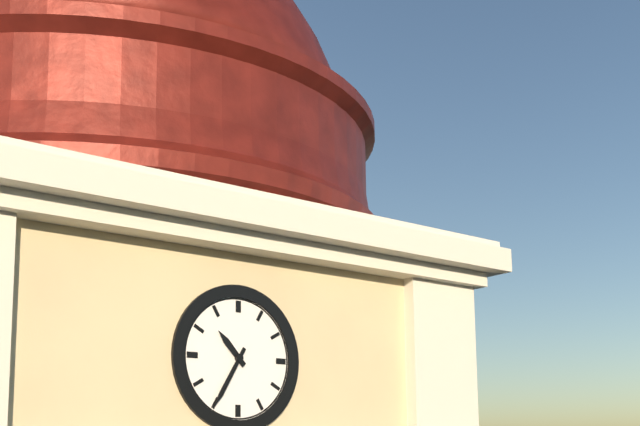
10:35
